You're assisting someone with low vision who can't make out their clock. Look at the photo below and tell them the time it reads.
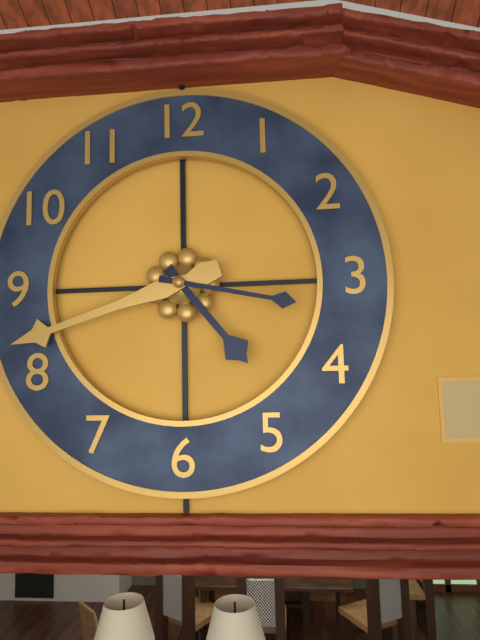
4:42:17
